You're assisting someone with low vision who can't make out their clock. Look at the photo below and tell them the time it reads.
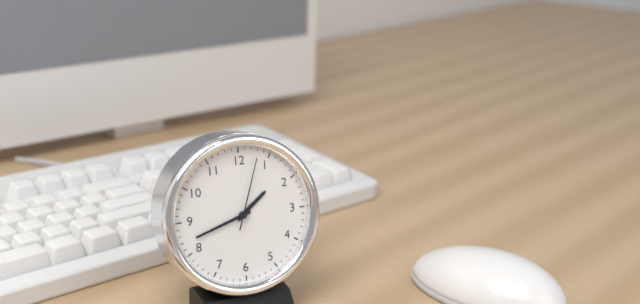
1:42:03
